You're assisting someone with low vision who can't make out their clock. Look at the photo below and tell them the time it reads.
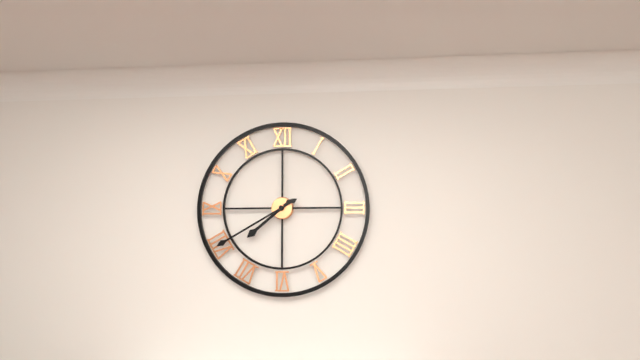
7:40
